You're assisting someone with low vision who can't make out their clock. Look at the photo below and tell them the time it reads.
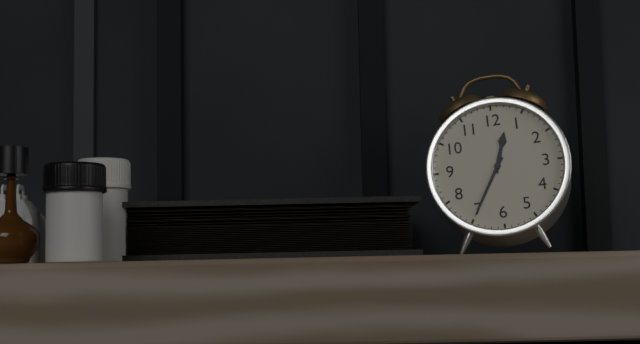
12:35
